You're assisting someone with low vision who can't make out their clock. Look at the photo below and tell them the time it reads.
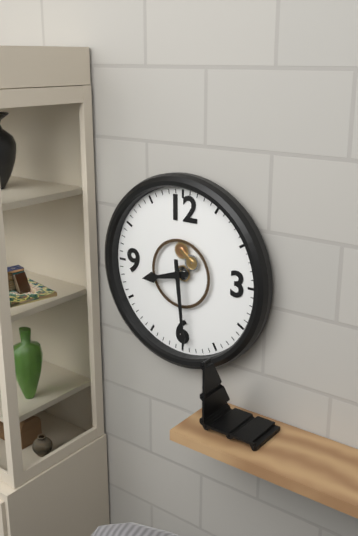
8:29
